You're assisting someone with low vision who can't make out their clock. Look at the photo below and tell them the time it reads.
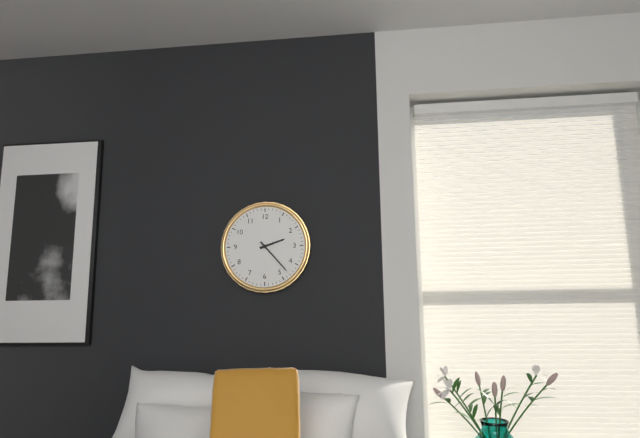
2:23
